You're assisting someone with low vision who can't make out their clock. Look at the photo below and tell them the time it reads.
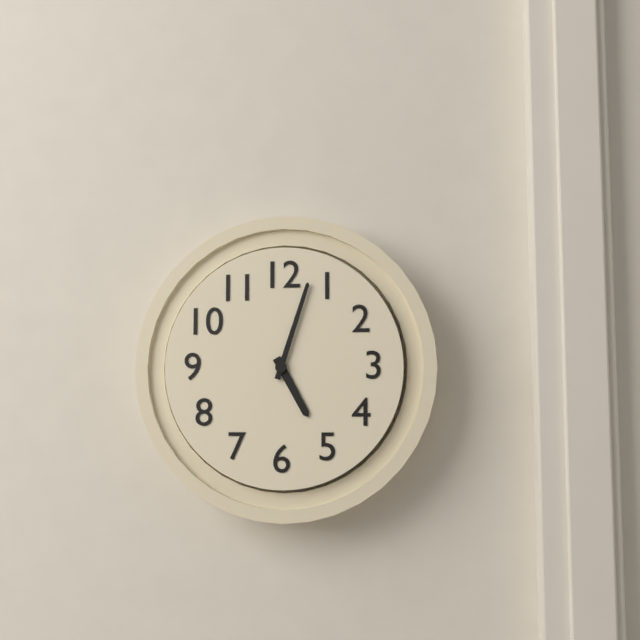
5:03
